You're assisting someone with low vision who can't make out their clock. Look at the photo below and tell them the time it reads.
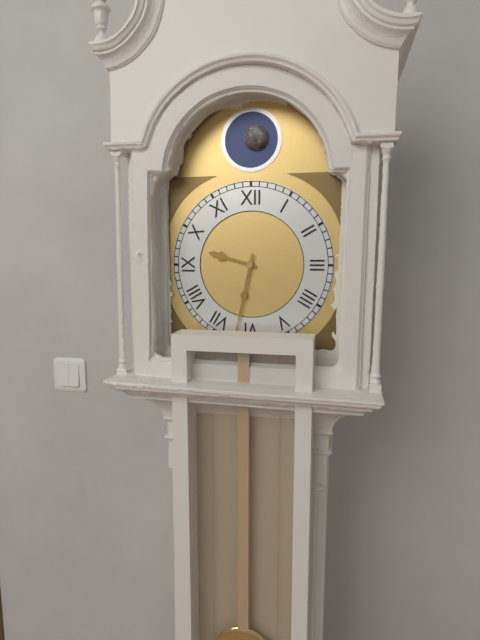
9:32
